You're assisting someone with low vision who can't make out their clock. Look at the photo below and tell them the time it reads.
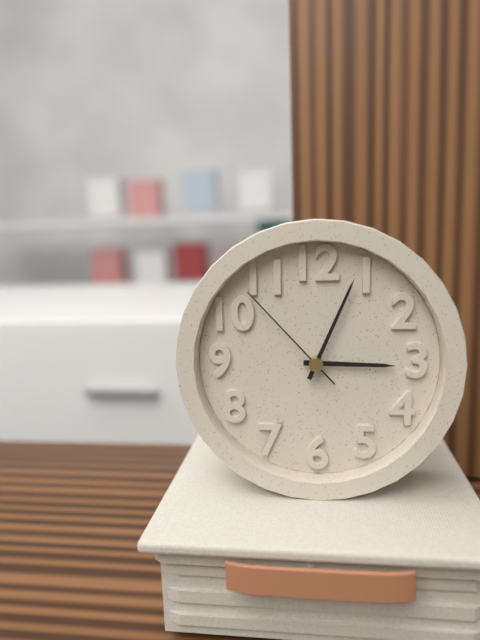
3:04:53
